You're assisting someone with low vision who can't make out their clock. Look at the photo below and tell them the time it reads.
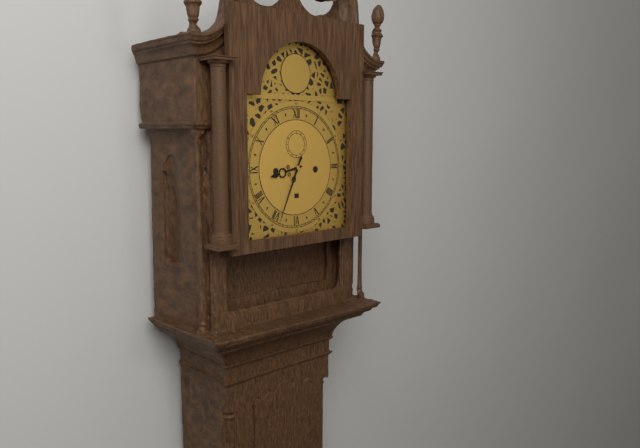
8:34
